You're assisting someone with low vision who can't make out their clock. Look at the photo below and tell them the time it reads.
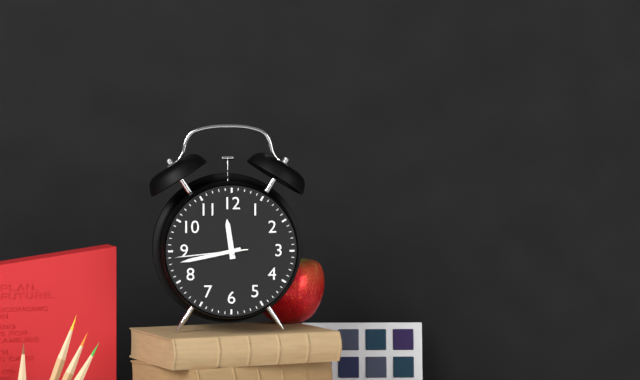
11:43:44
